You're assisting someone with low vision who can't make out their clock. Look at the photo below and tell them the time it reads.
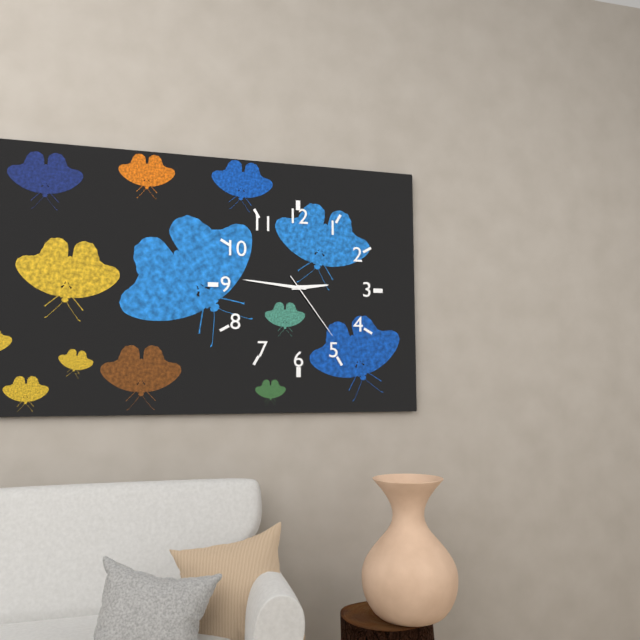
2:46:24
